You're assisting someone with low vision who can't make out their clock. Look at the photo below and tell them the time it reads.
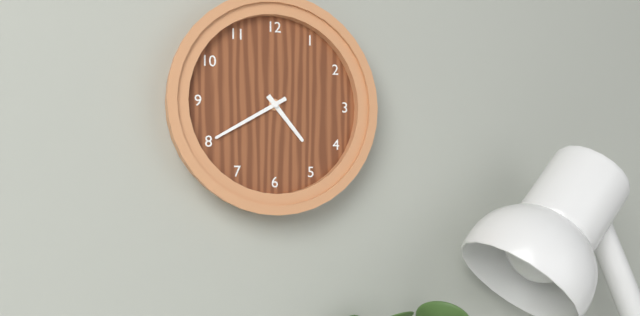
4:40
